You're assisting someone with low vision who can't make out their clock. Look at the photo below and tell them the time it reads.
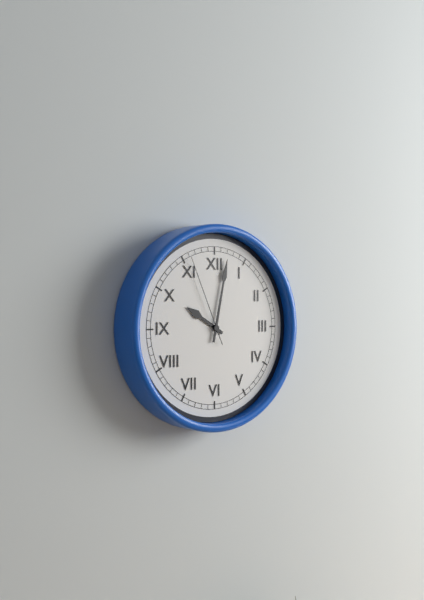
10:02:56
